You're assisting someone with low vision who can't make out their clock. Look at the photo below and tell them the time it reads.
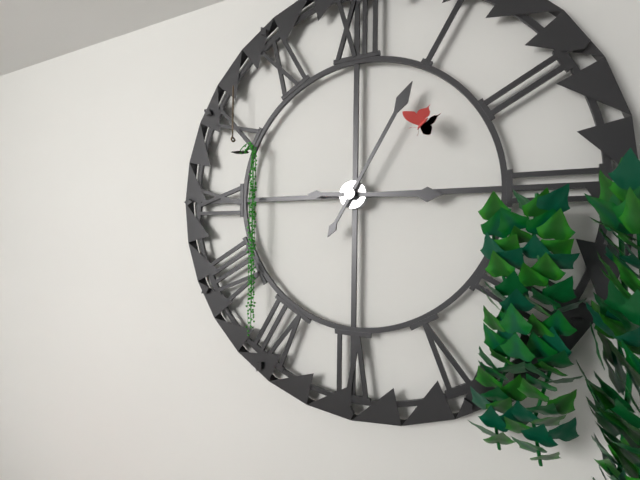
3:05
